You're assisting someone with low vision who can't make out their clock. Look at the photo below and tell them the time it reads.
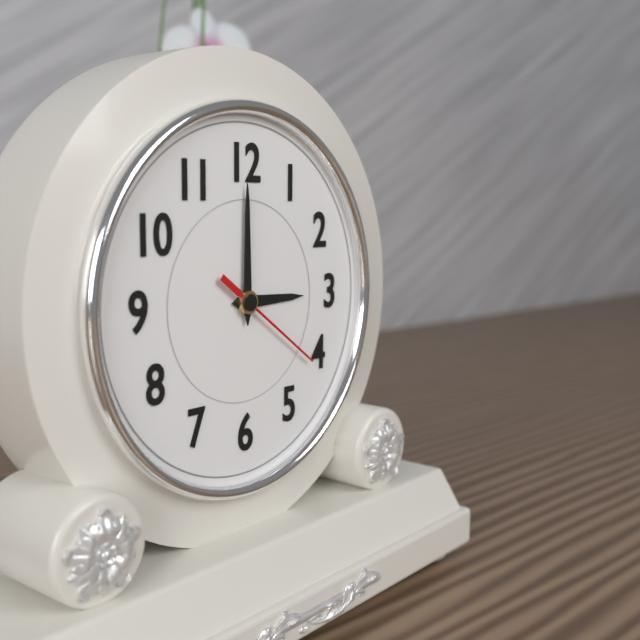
3:00:21
